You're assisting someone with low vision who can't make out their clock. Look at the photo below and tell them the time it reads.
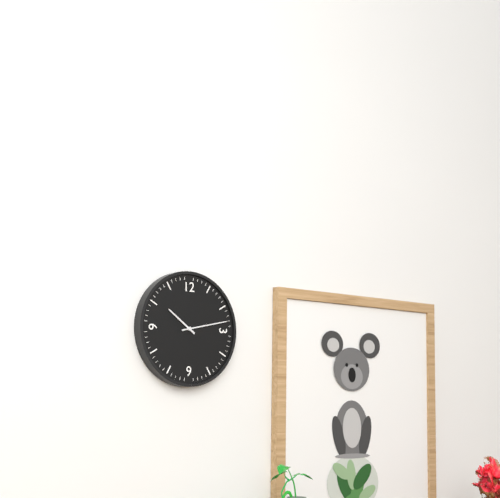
10:13
